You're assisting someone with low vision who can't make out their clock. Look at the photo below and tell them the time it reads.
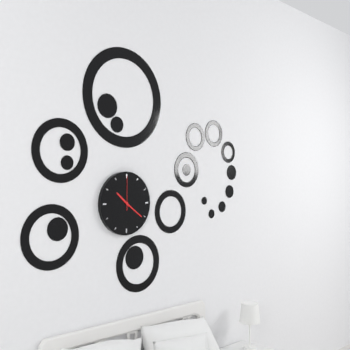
10:21
